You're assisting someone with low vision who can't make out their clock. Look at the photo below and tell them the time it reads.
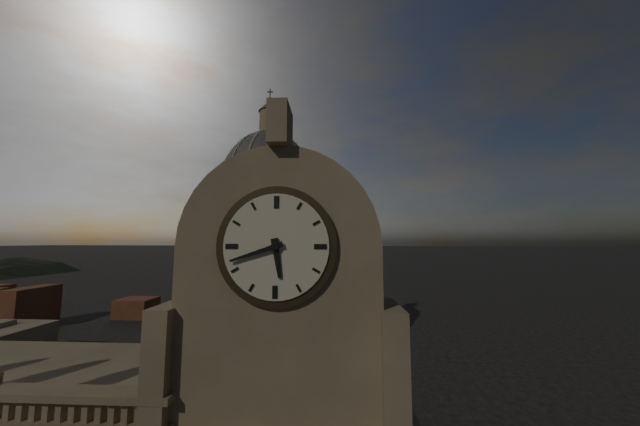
5:42
